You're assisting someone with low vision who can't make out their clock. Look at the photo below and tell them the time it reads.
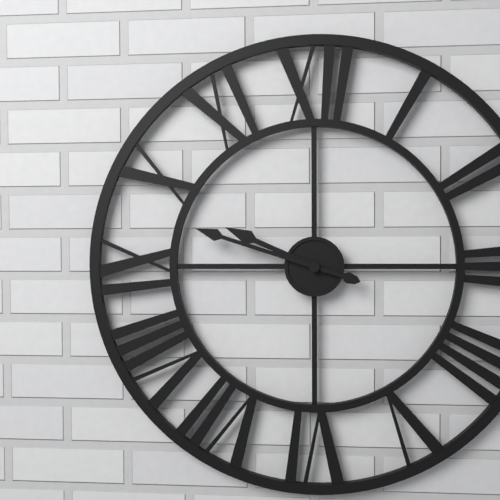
9:48
